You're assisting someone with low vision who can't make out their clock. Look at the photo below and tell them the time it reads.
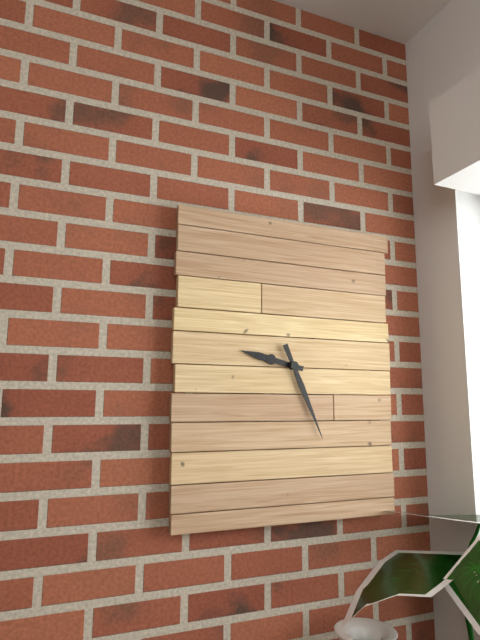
9:26
